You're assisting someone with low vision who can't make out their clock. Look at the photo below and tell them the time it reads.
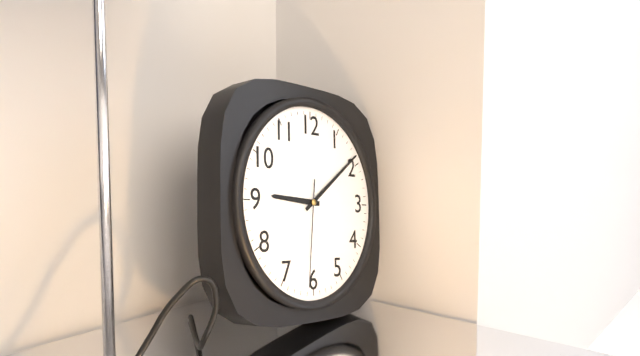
9:09:31
